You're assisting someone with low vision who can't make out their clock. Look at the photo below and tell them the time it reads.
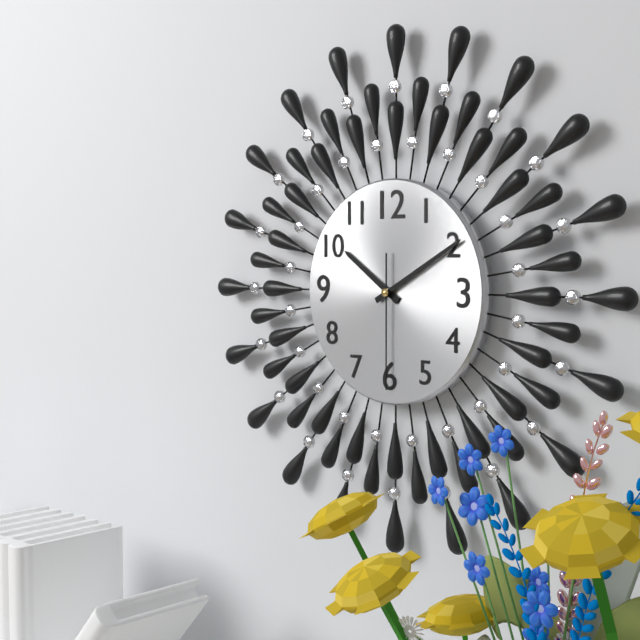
10:10:30
